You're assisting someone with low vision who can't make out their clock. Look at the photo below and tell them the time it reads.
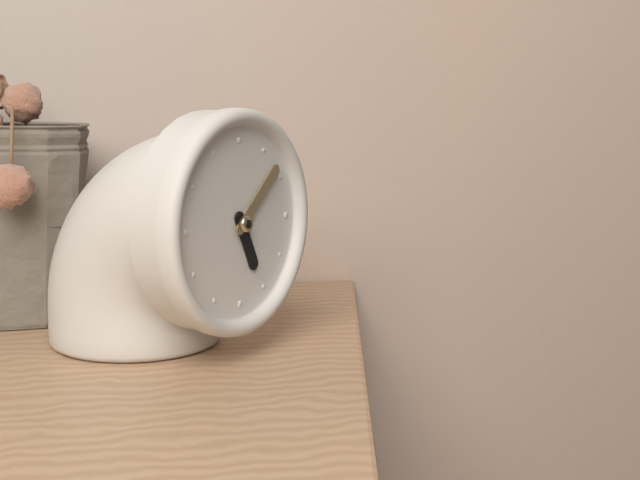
5:08
